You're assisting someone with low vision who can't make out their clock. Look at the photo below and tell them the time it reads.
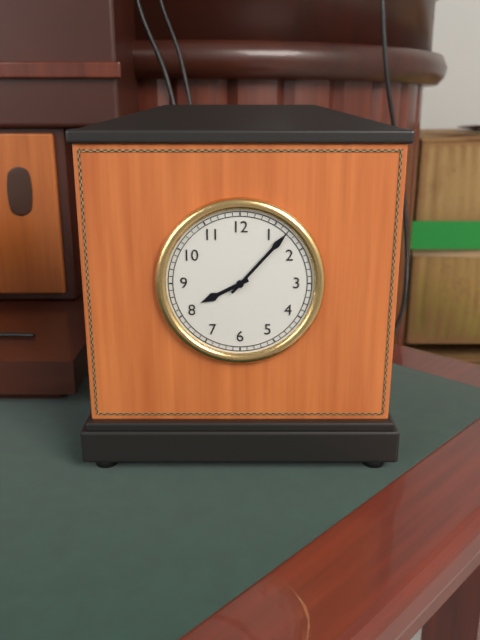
8:07
